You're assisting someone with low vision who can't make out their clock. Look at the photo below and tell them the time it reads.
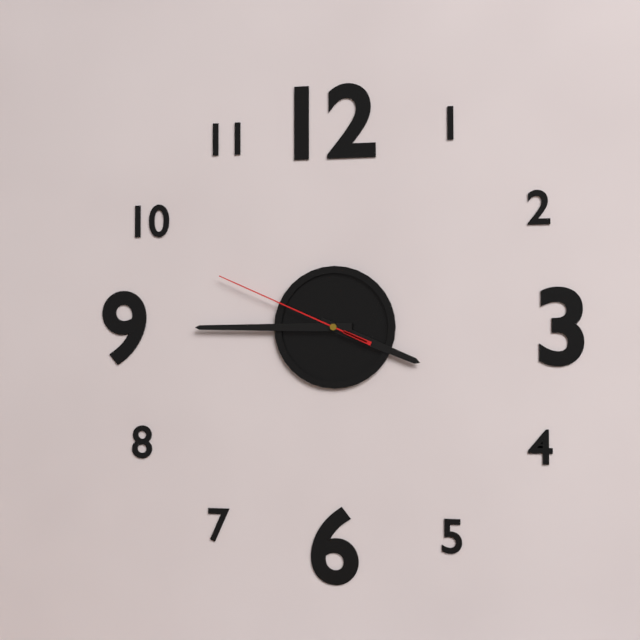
3:45:49
